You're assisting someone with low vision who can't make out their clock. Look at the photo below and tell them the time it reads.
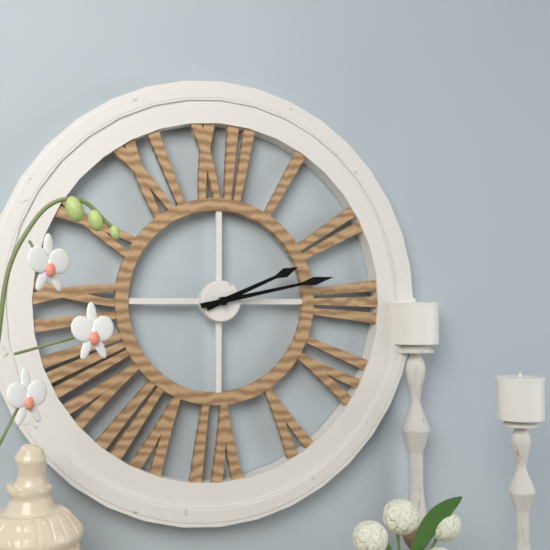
2:13
